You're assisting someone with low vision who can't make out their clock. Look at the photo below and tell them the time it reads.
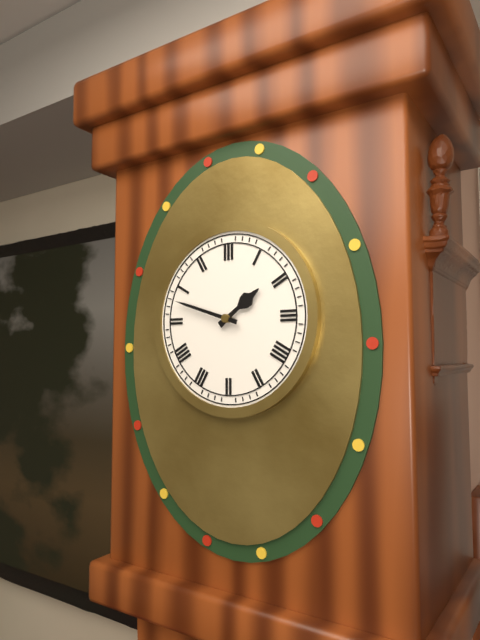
1:48
